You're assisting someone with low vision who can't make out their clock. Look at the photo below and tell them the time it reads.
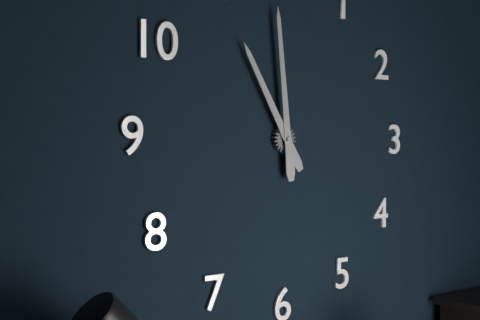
10:59
